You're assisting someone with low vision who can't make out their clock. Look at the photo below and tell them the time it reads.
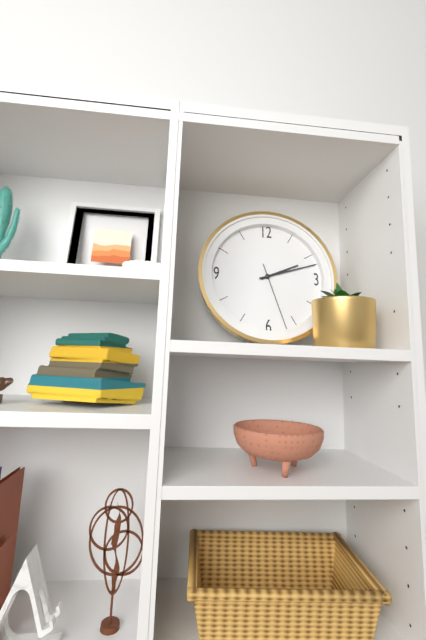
2:12:27
